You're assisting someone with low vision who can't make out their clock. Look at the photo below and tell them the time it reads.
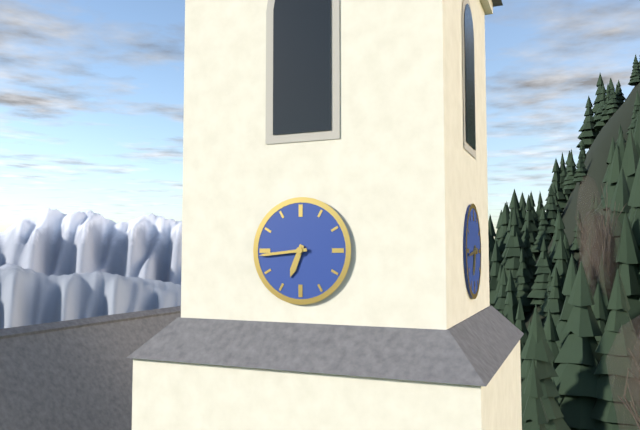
6:44
